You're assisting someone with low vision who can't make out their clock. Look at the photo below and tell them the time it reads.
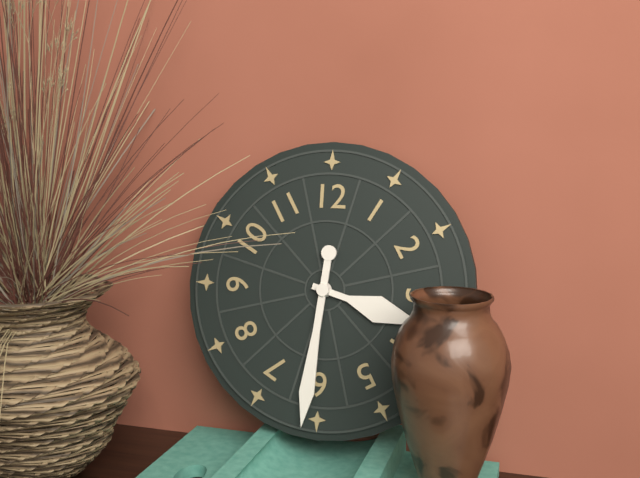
3:31
